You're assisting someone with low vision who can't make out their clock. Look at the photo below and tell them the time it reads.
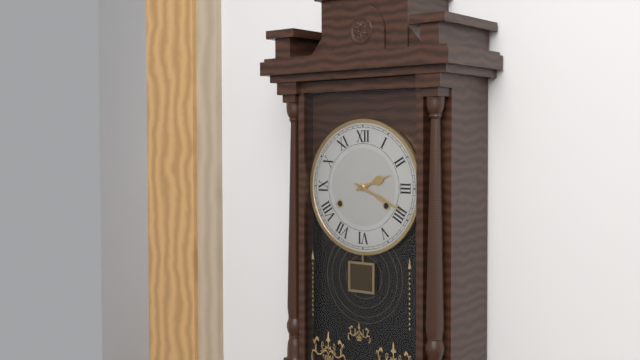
2:19
